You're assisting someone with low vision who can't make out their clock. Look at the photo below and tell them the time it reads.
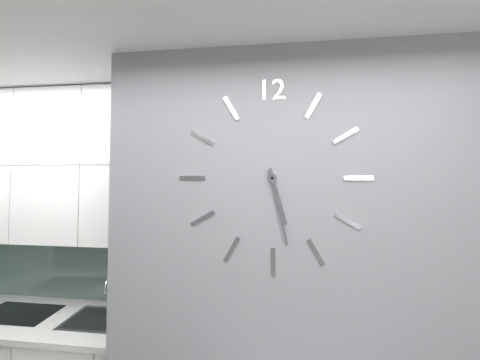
5:28
